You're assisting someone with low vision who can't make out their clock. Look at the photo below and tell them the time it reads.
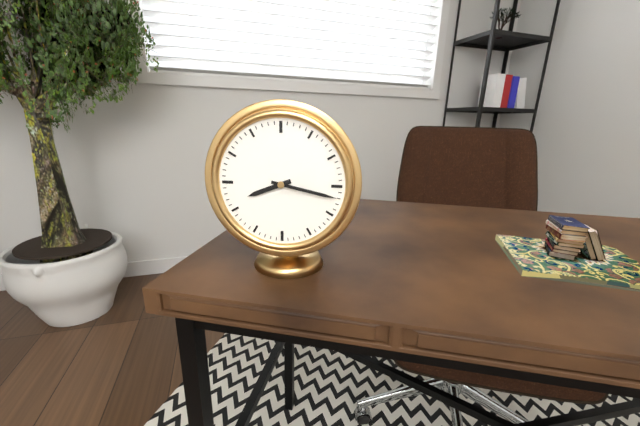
8:17
